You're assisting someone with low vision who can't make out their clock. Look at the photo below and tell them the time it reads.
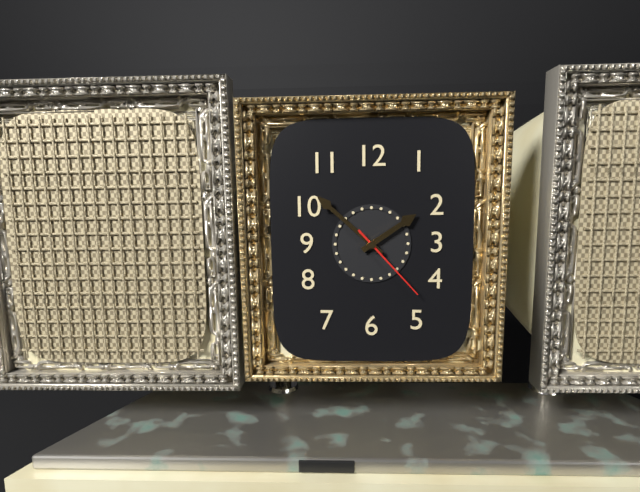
1:52:23
